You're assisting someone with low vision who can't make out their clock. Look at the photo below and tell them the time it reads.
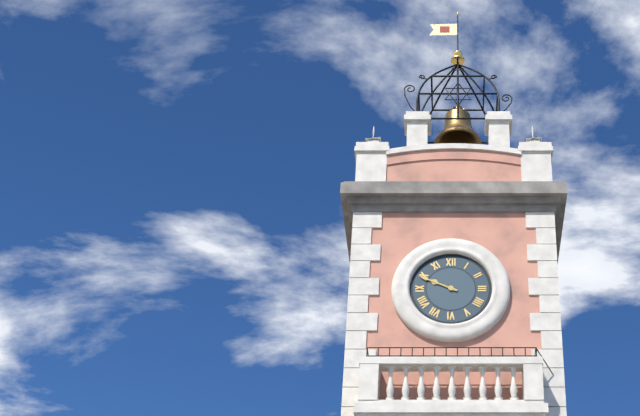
9:49
